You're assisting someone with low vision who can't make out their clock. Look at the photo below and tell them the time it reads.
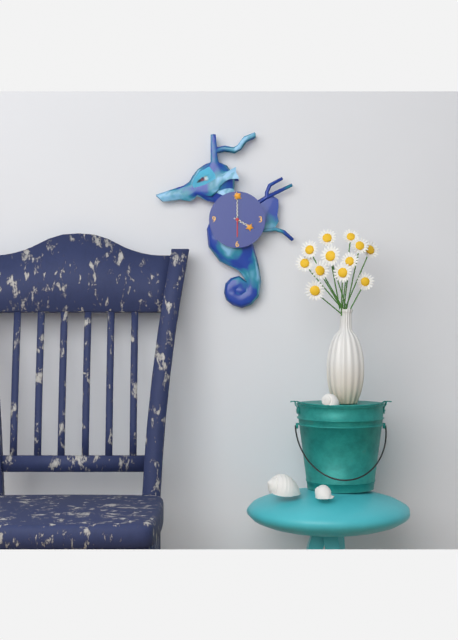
4:00
